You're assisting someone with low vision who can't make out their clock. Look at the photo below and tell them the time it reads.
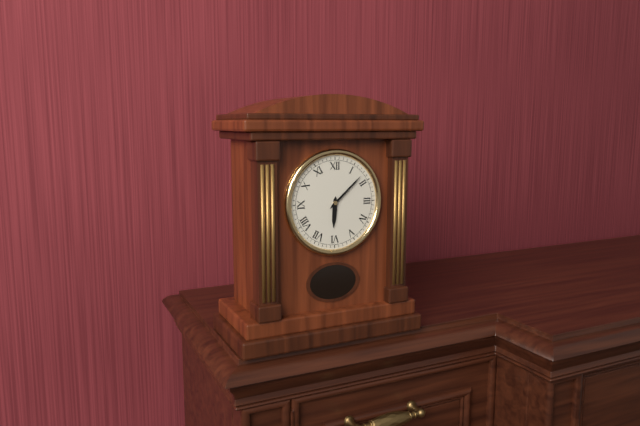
6:08
